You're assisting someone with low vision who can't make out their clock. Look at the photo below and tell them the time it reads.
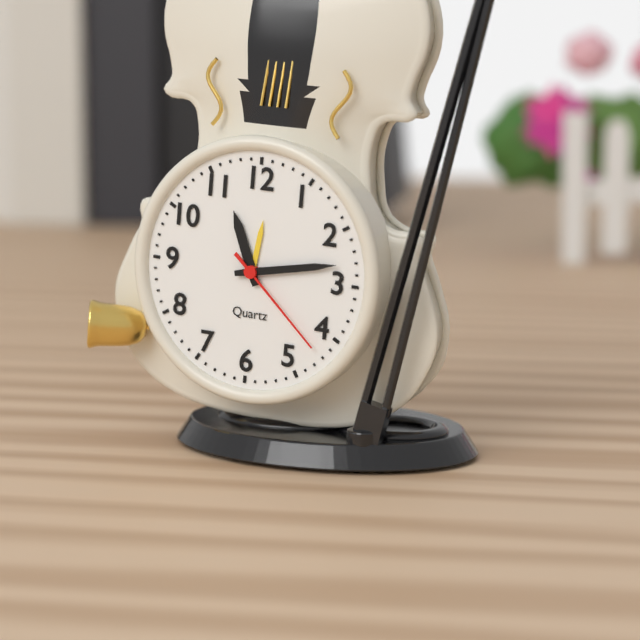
11:13:22
